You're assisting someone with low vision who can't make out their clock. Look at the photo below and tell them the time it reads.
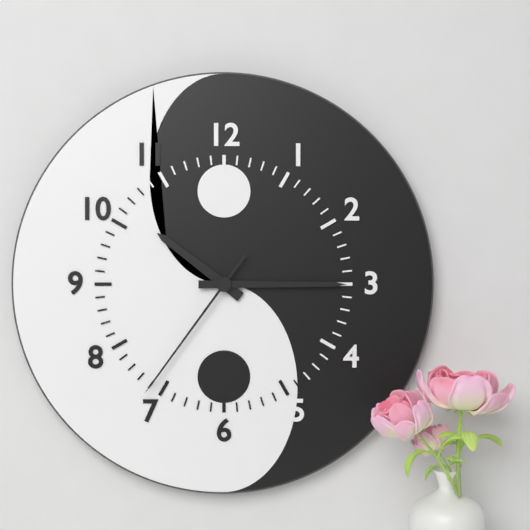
10:15:36
